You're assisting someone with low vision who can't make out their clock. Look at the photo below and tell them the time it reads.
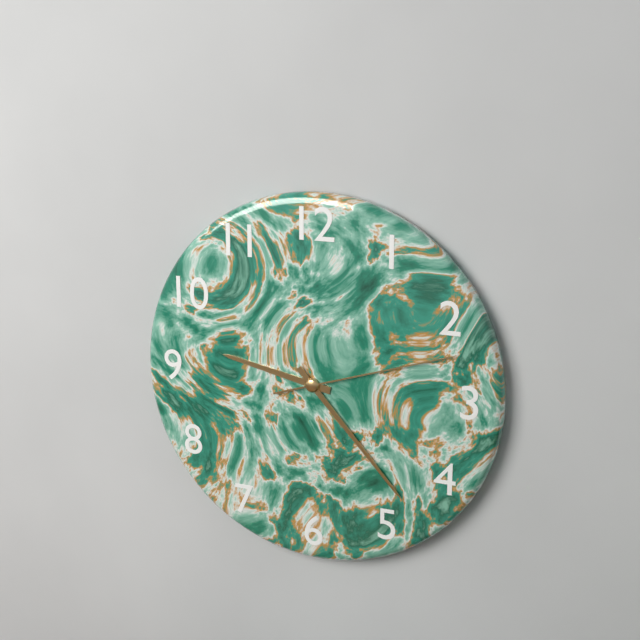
9:23:12
